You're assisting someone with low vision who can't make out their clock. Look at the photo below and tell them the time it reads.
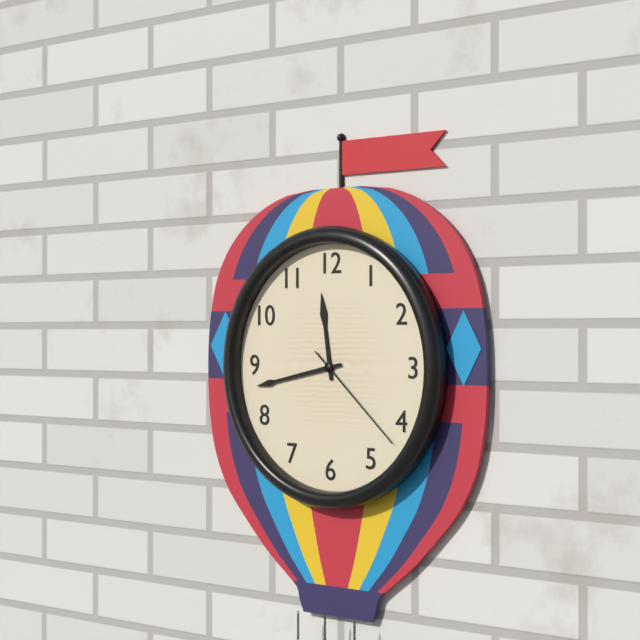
11:43:22
